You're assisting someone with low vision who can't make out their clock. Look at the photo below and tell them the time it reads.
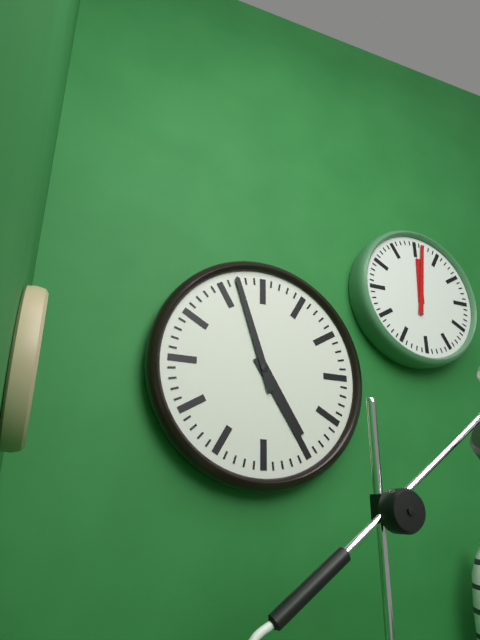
4:57
